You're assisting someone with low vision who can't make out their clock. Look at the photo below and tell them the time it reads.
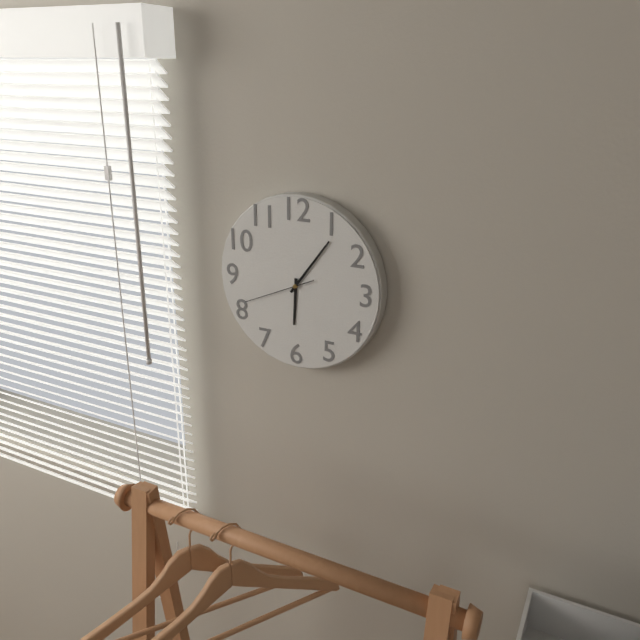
6:06:41
